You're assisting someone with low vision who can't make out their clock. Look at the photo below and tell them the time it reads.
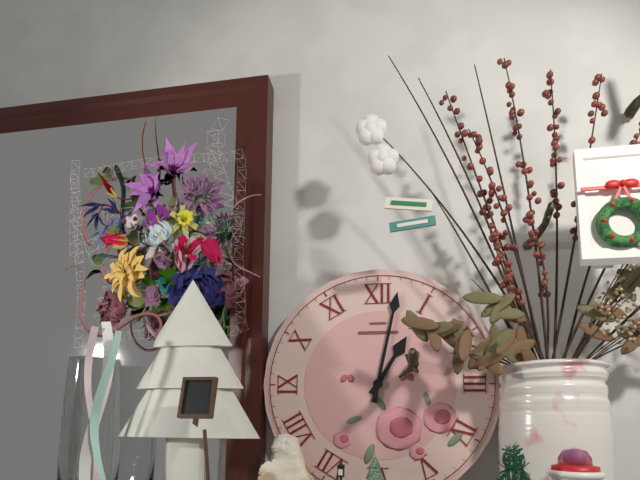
1:02
